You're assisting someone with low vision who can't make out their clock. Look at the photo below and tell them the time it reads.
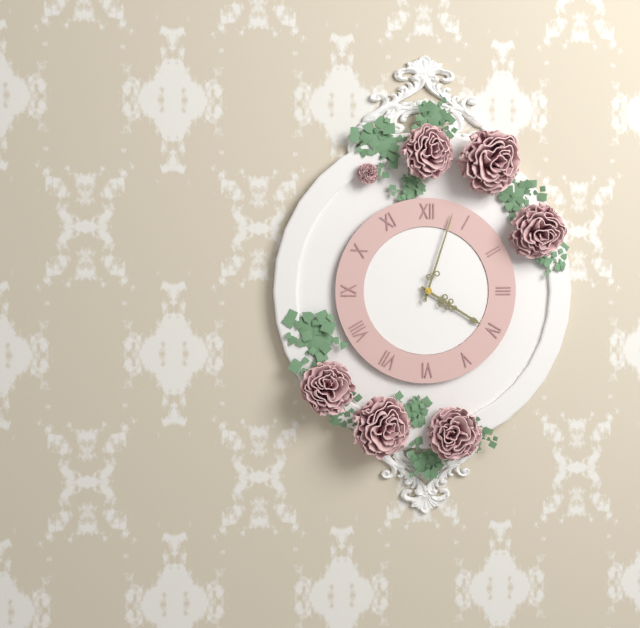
4:03
